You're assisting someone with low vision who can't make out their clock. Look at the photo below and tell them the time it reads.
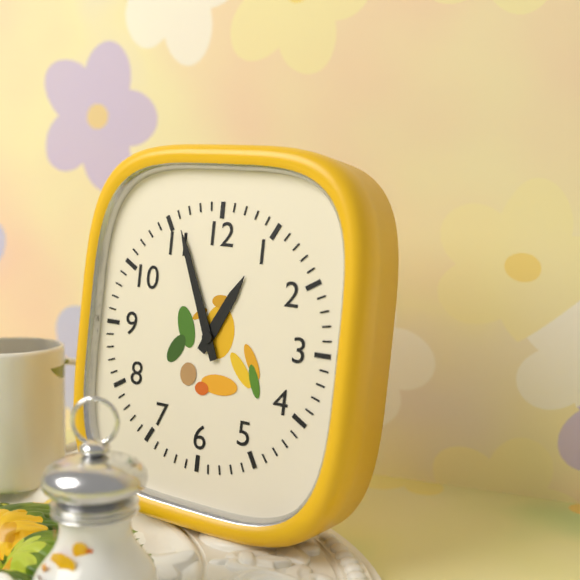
12:56
